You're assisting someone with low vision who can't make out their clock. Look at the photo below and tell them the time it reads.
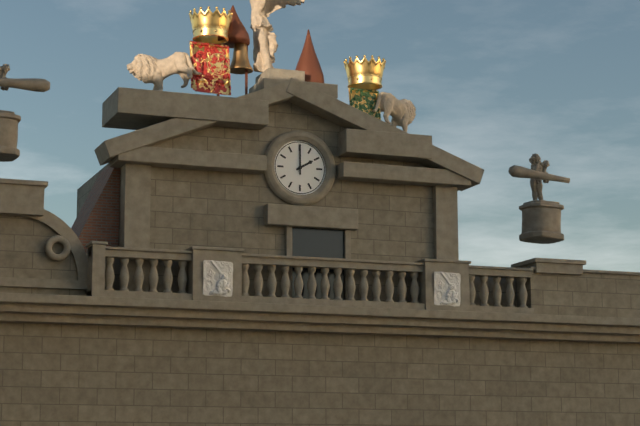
2:00
